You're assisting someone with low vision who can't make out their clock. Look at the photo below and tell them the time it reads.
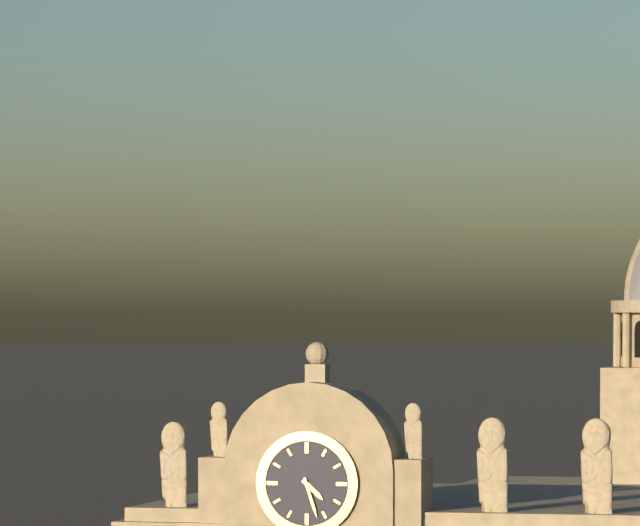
4:27
